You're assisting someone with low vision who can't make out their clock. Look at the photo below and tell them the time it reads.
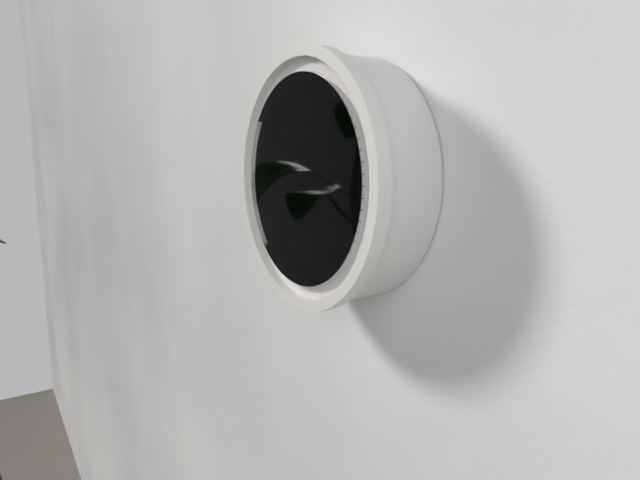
12:15:47
